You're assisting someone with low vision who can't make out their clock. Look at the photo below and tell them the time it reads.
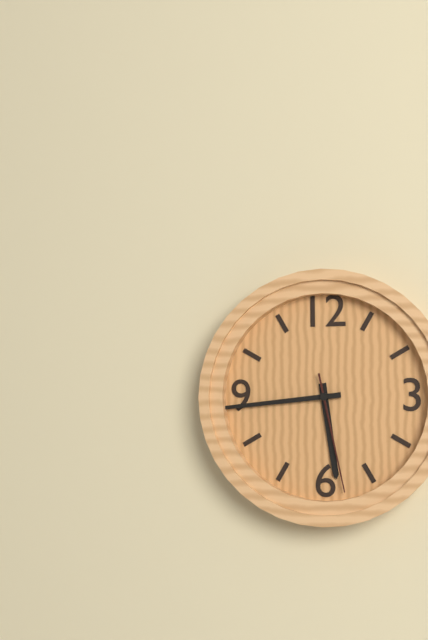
5:44:28
